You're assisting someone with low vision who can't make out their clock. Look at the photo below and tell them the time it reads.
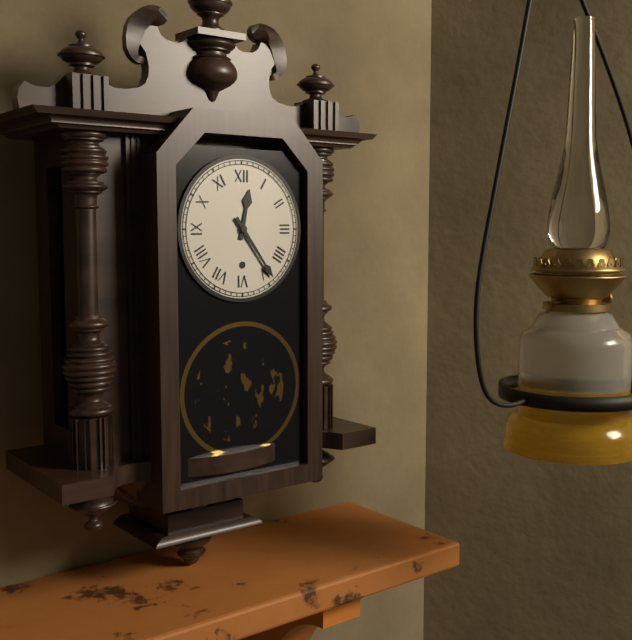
12:24
